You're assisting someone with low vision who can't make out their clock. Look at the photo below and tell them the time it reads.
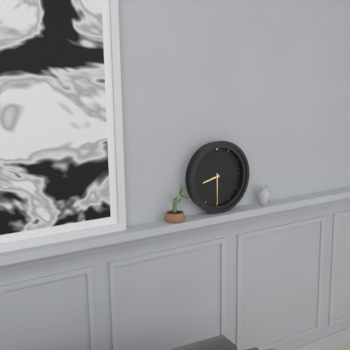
8:30
